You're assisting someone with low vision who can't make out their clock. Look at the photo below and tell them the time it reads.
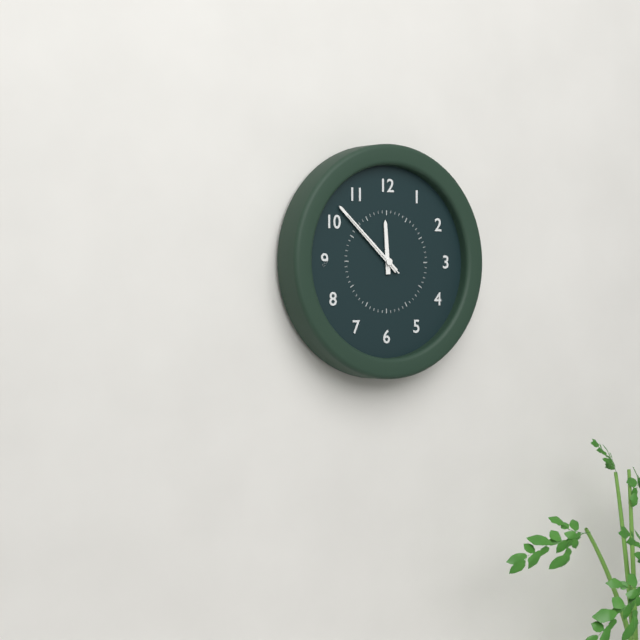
11:52:52
